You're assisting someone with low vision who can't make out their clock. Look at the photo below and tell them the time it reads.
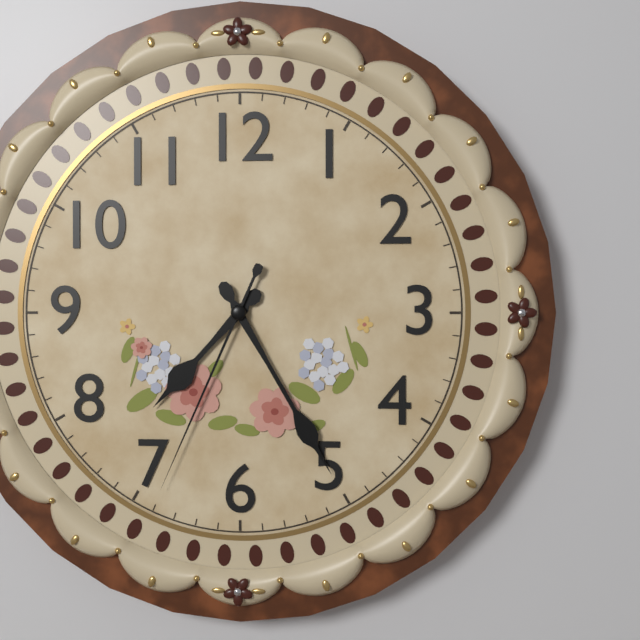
7:25:34
